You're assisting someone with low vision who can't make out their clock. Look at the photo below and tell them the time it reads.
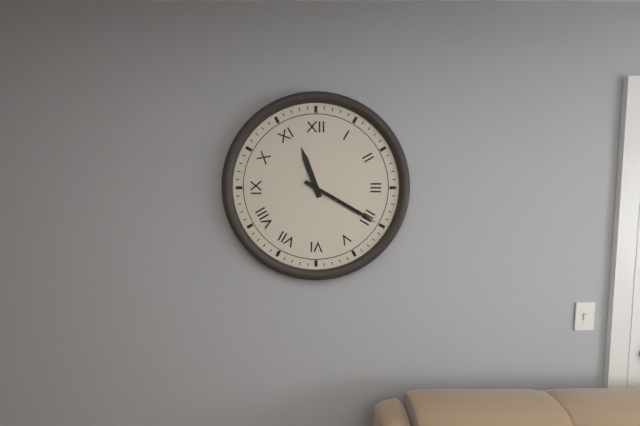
11:20
